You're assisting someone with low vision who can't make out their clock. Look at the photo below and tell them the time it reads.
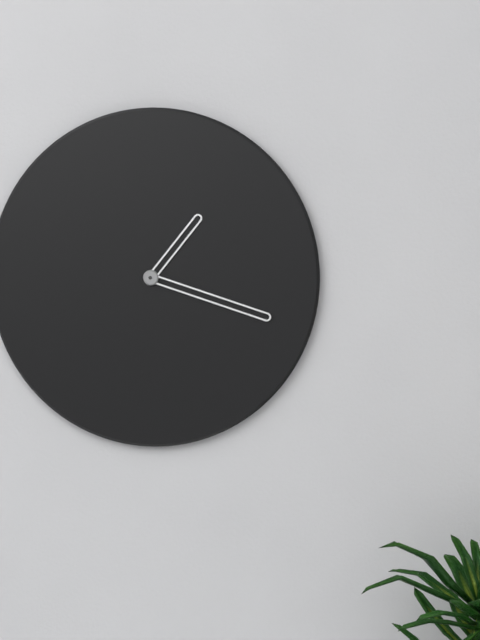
1:18
